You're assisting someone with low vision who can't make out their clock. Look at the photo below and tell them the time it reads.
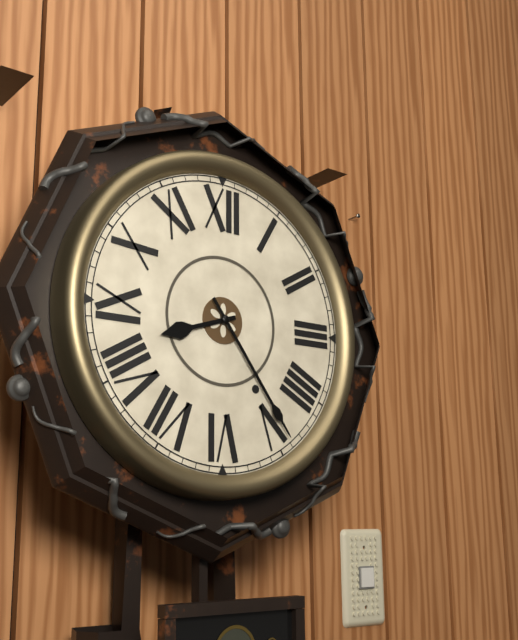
8:24
